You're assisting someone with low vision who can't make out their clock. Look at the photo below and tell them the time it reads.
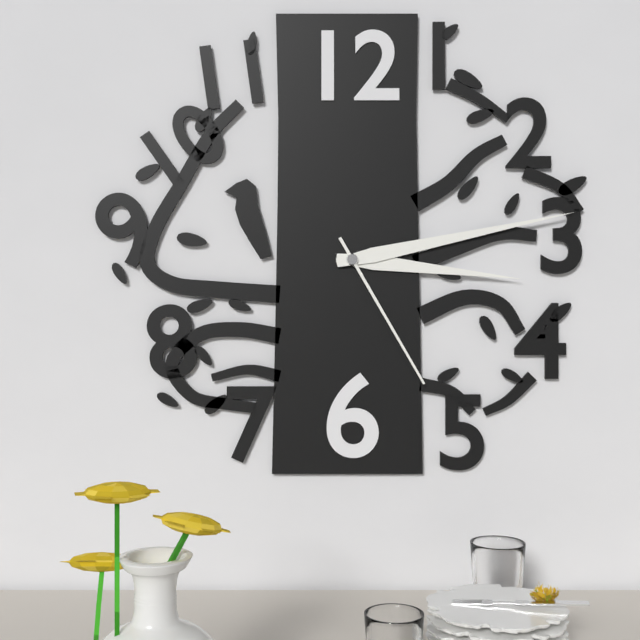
3:13:25
